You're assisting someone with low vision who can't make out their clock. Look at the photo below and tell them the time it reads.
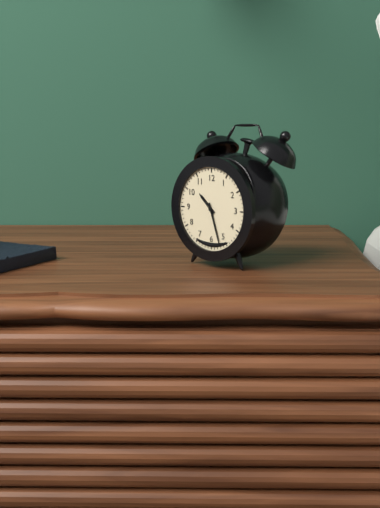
10:27
